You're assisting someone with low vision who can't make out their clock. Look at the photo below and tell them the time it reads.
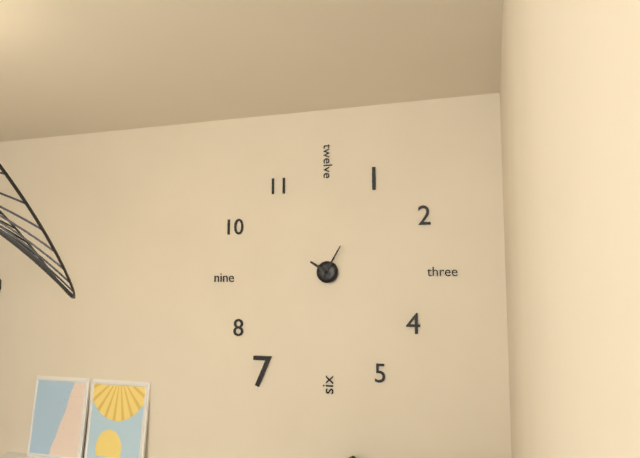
10:05
